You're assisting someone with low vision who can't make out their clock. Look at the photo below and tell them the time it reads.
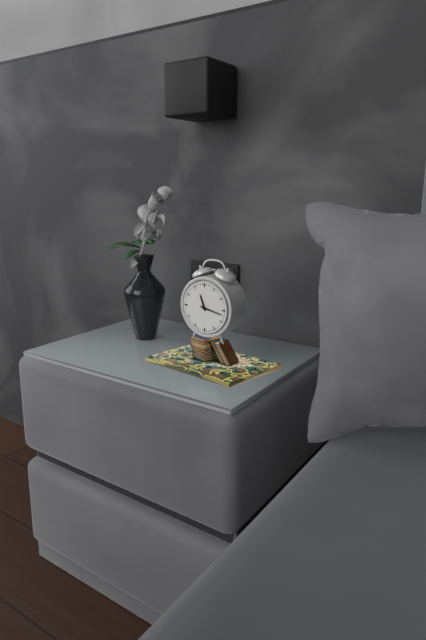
11:17
